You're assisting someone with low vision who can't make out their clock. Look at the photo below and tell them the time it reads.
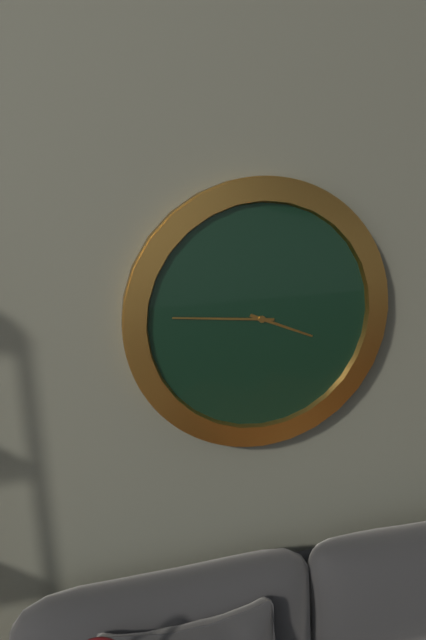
3:46
